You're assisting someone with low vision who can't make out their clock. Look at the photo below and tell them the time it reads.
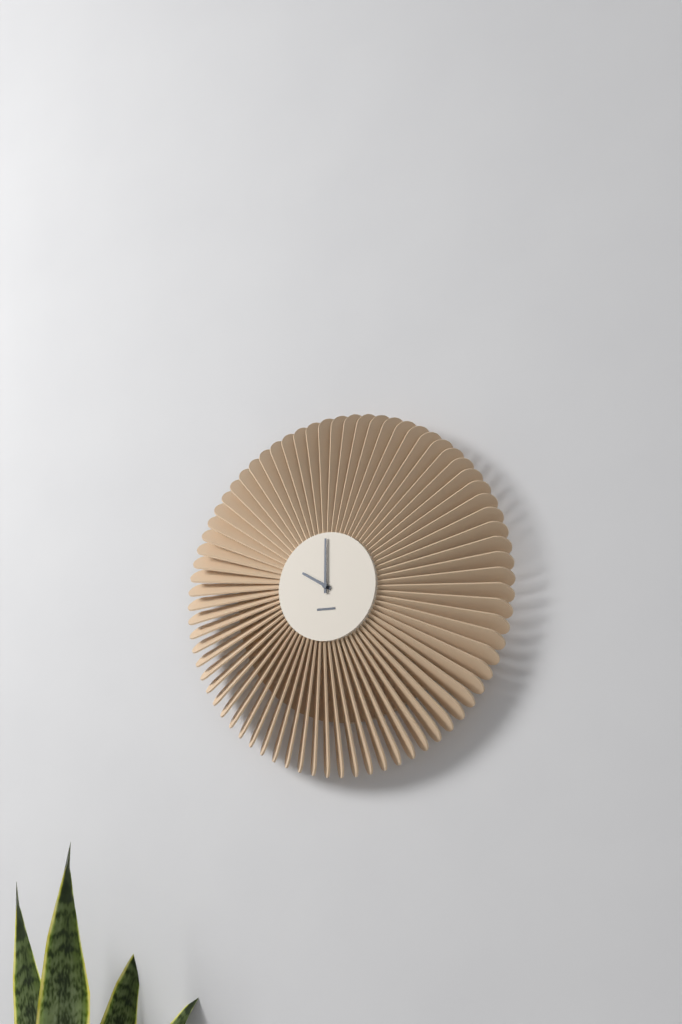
10:00
